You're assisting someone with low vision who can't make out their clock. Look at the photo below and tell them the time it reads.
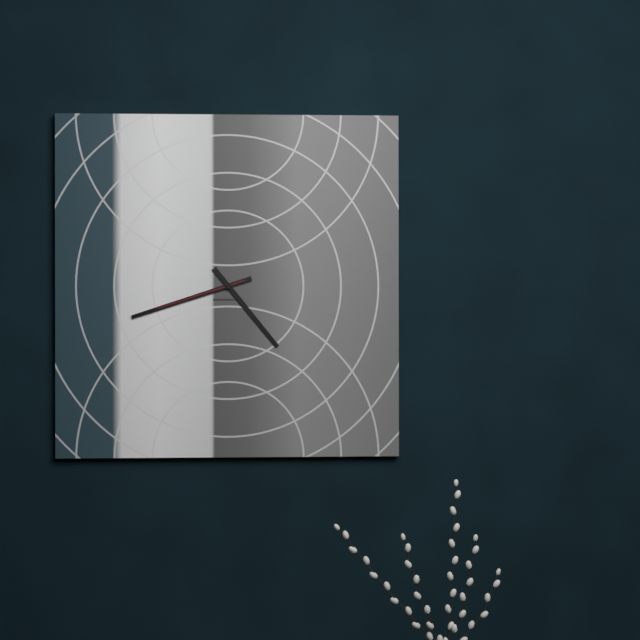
4:42:42
